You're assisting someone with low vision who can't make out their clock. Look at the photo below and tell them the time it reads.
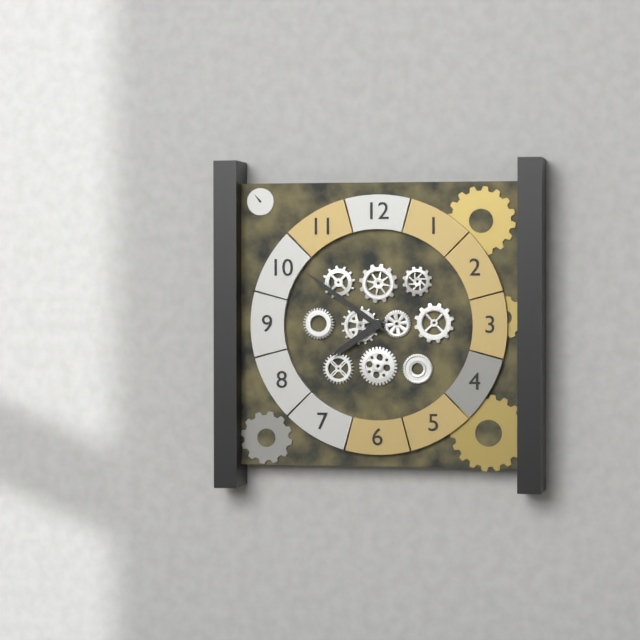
7:51
